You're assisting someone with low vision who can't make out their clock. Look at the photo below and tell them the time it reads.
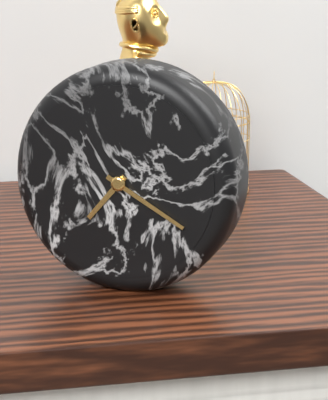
7:20
